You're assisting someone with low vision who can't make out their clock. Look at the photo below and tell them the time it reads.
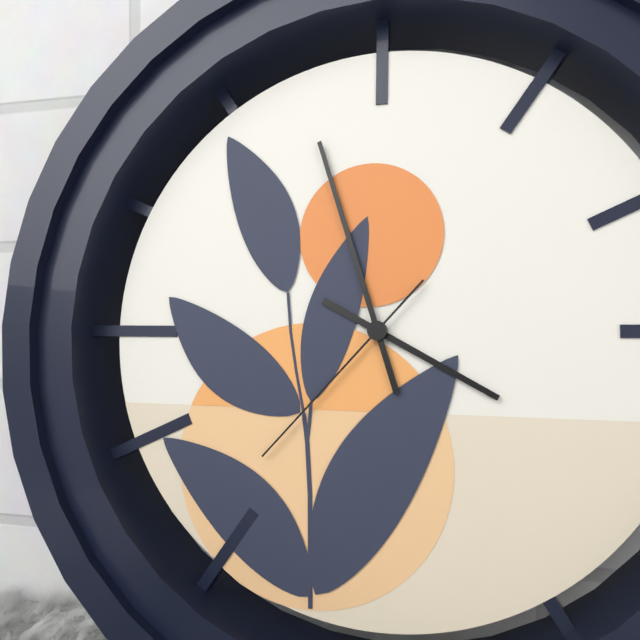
3:57:37
